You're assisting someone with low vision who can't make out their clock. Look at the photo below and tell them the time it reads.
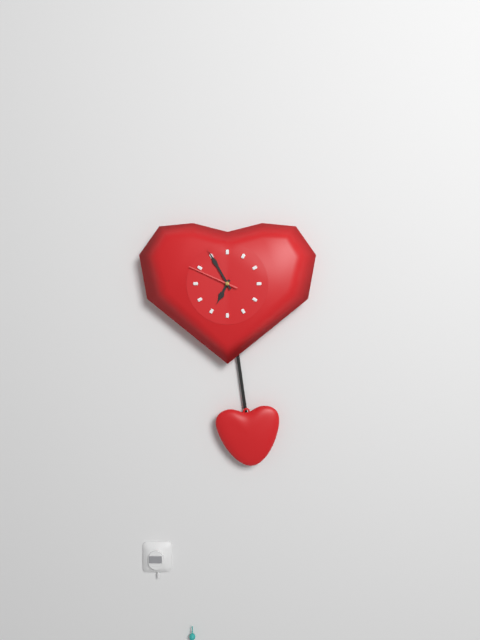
6:55:49
